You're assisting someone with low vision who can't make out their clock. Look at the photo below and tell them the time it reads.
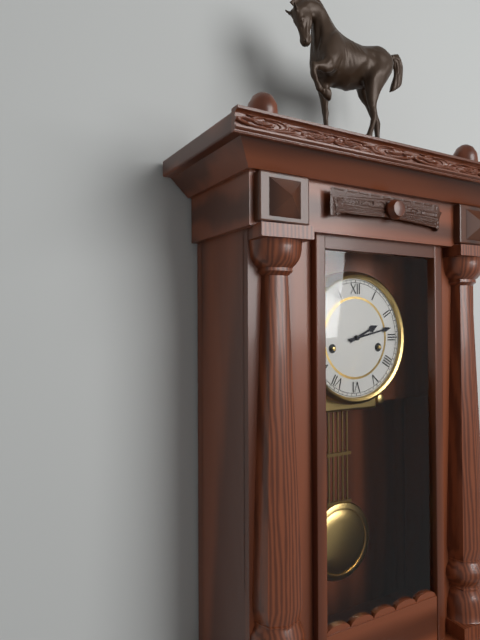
2:13
